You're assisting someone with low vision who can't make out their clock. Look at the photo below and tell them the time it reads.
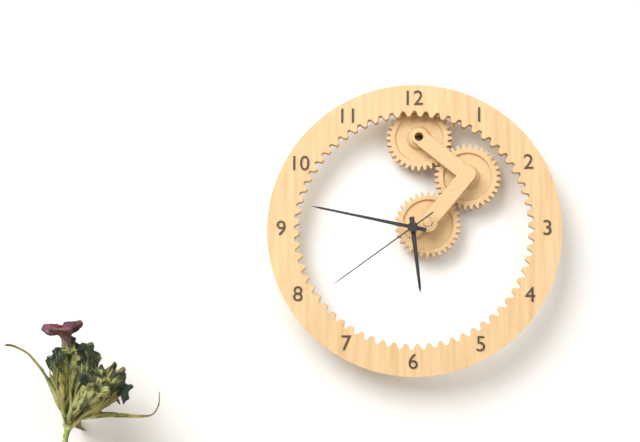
5:47:39
